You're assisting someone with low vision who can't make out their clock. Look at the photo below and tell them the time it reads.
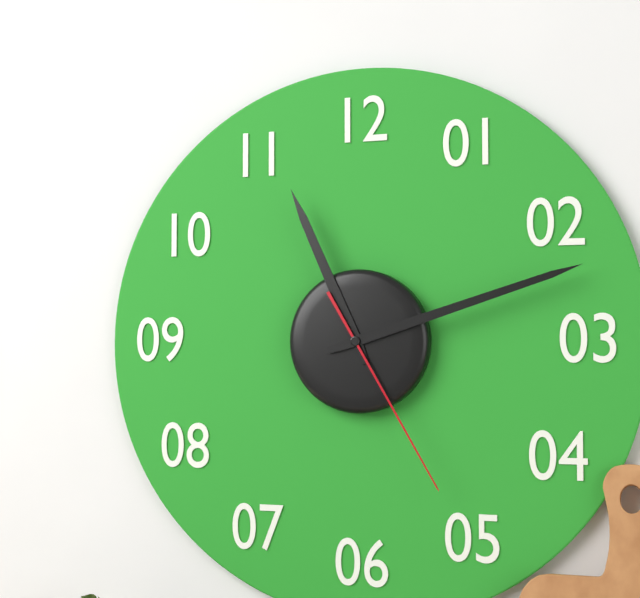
11:12:25
